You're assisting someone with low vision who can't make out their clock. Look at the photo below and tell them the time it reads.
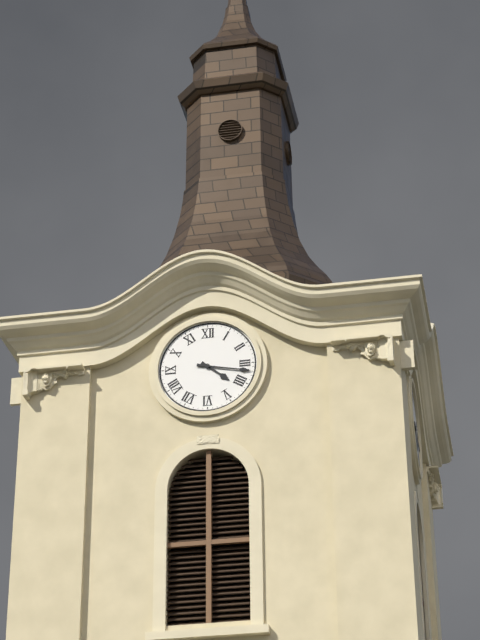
4:17
